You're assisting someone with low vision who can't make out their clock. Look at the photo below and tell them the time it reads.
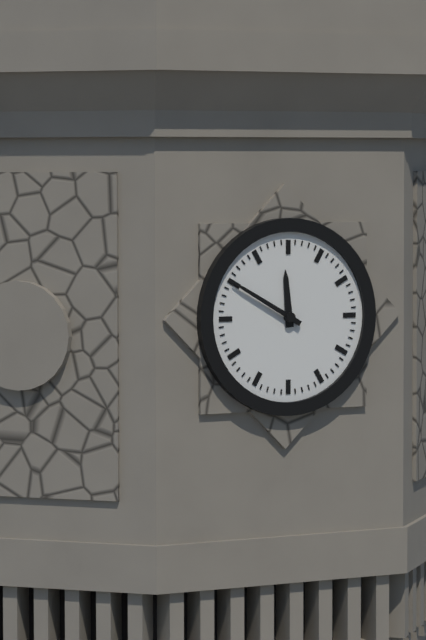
11:50
